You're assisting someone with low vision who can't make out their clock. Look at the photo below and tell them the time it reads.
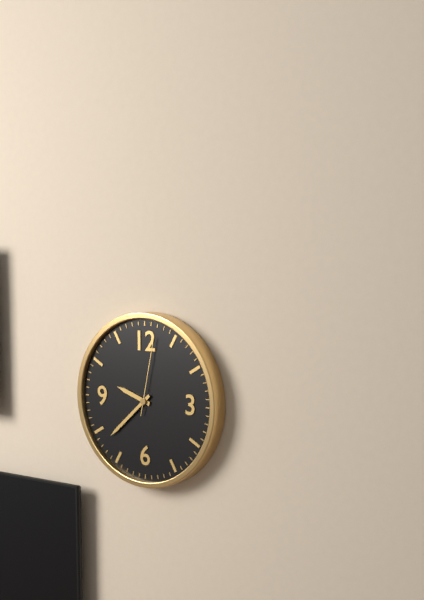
9:38:02
